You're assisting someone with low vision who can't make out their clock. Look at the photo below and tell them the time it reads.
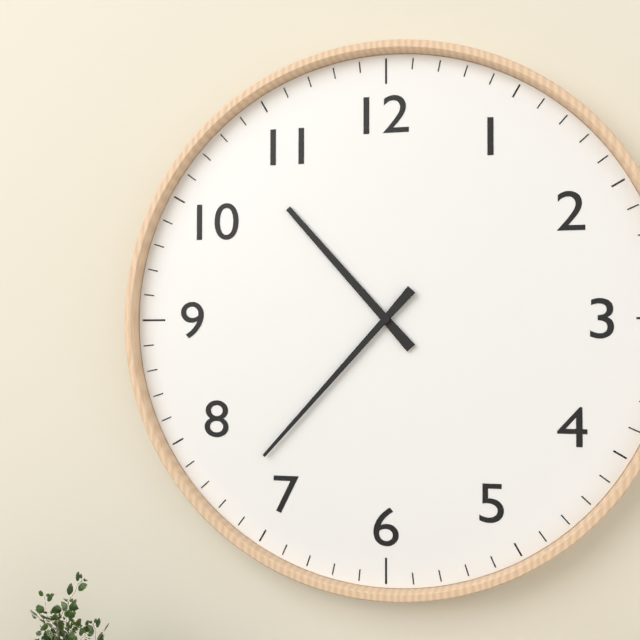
10:37
